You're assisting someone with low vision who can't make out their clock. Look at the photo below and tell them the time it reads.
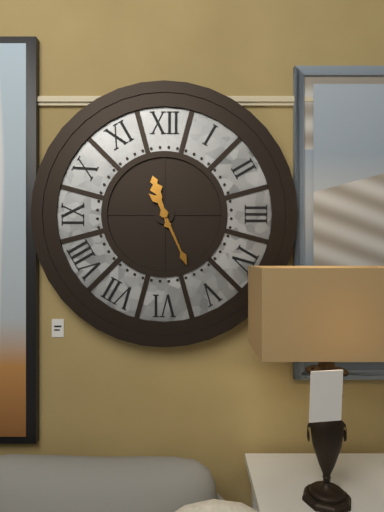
11:26
